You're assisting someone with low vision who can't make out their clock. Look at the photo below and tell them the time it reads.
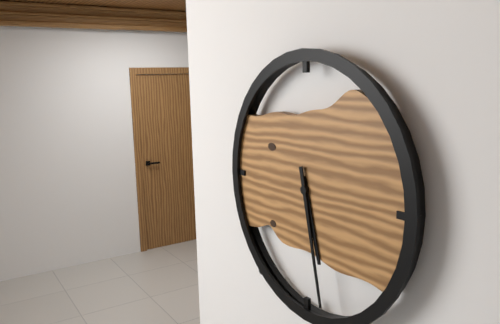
5:28
